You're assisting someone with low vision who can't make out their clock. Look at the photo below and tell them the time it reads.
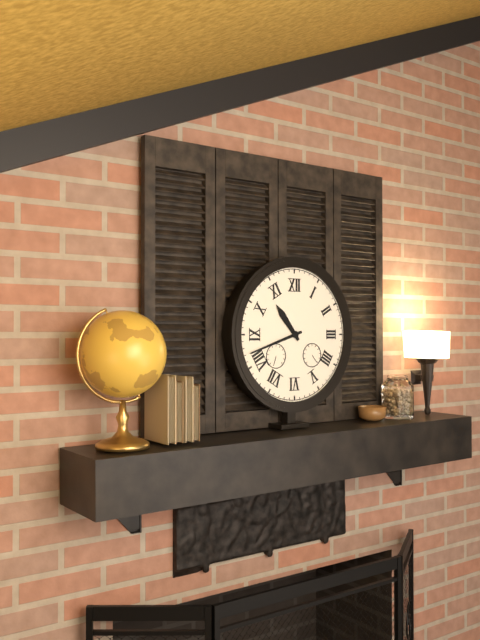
10:42
